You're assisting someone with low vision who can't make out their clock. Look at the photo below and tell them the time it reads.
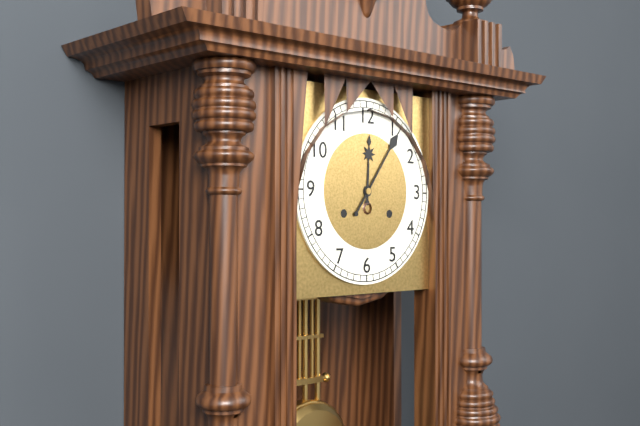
12:06
